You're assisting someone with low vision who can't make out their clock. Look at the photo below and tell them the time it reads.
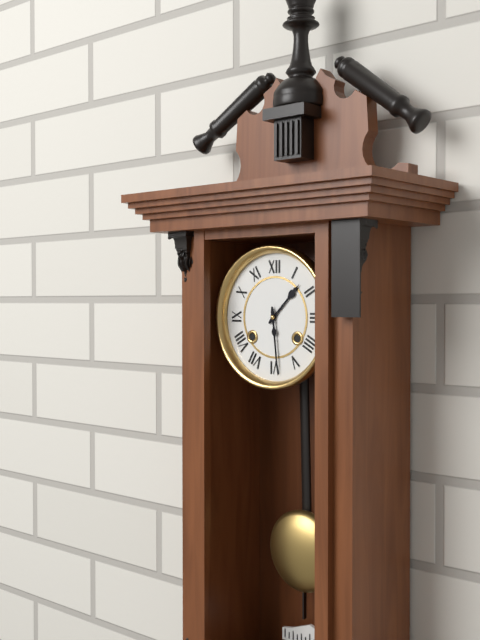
1:29
